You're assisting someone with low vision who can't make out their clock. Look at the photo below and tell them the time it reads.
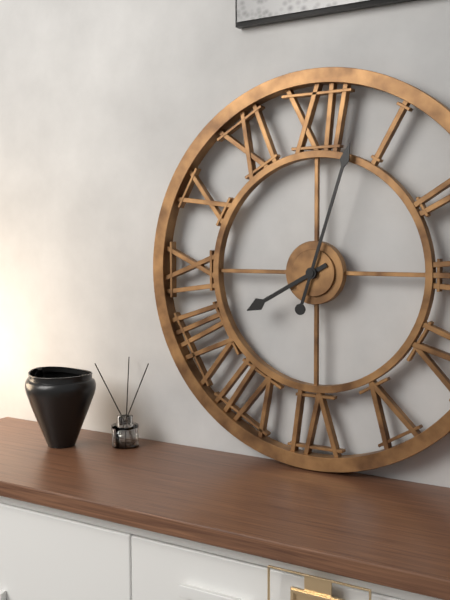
8:03
